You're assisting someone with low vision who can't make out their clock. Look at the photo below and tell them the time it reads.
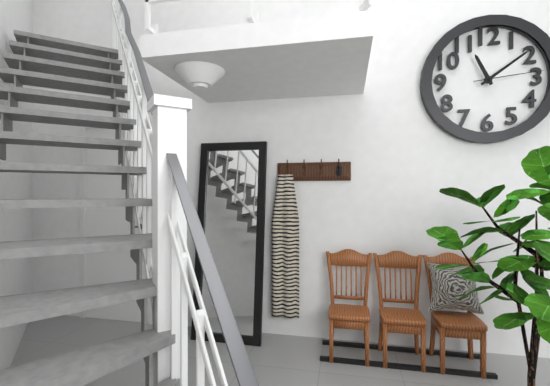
11:09:14
